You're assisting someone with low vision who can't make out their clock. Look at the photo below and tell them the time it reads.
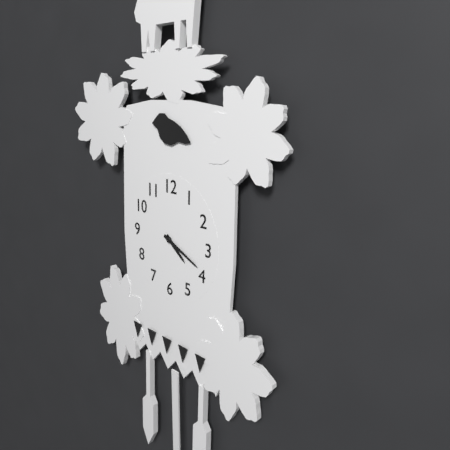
4:19
